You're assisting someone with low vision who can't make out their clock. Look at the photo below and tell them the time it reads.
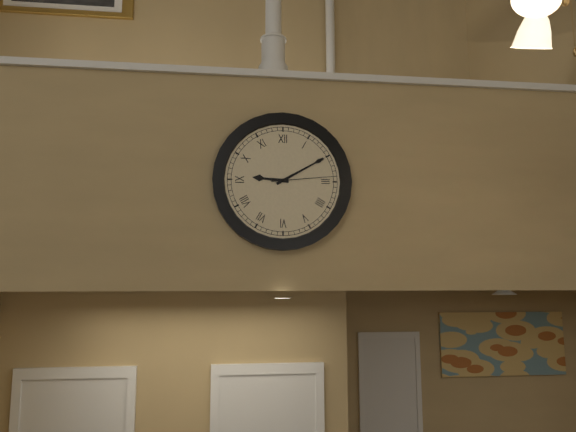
9:10:14
